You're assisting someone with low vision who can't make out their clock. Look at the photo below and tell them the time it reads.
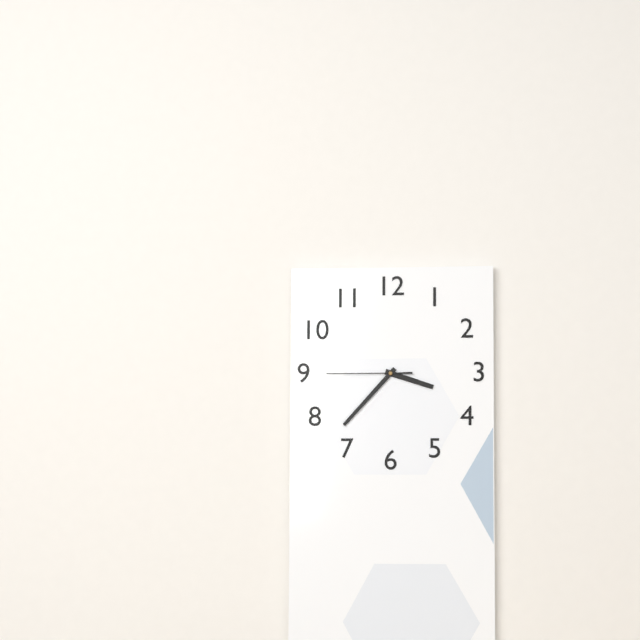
3:37:45
